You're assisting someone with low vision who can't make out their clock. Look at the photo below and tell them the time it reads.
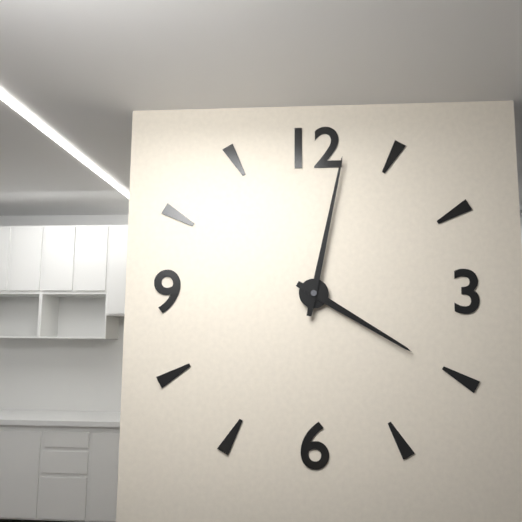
4:02
